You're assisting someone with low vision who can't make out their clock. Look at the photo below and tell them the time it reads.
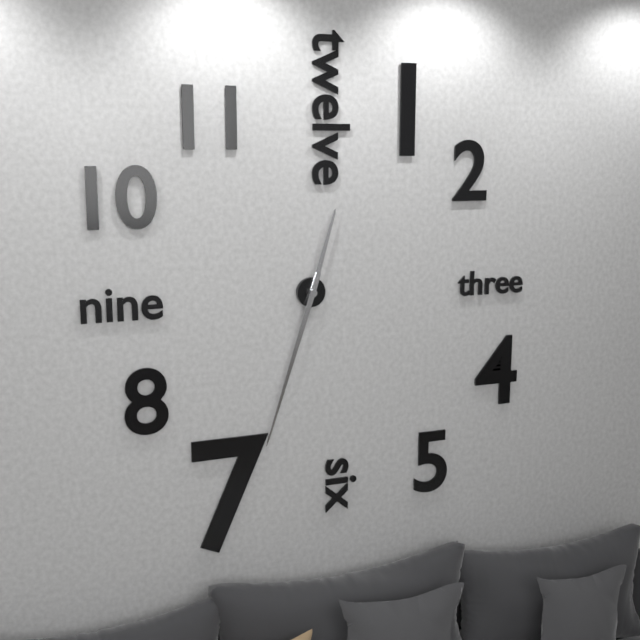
12:33
